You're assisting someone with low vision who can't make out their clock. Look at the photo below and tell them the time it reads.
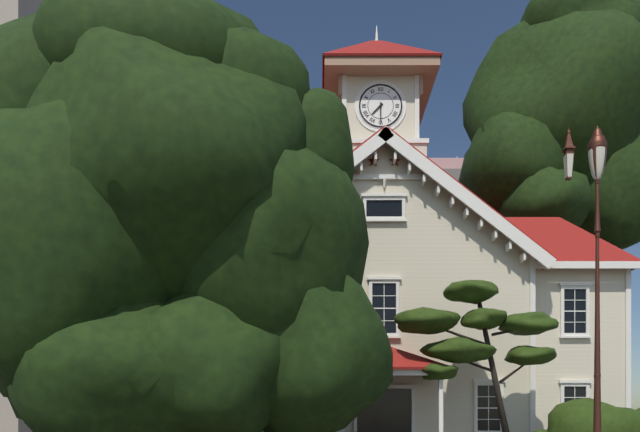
7:30
